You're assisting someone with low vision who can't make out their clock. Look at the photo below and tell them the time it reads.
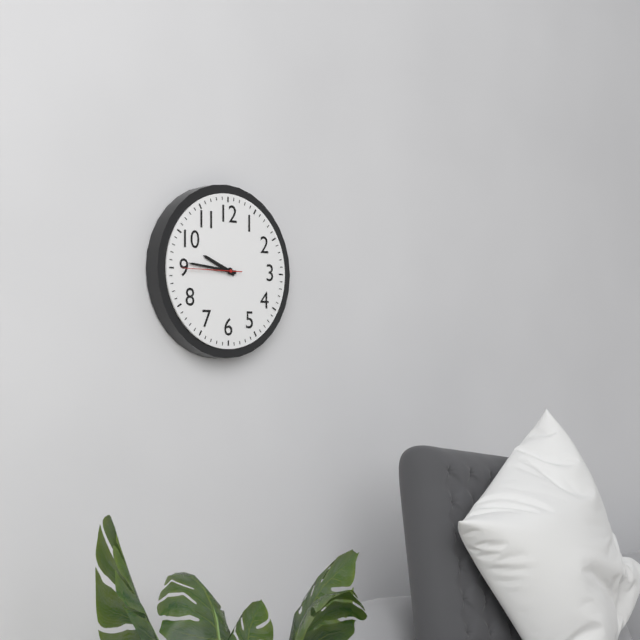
9:46:45
